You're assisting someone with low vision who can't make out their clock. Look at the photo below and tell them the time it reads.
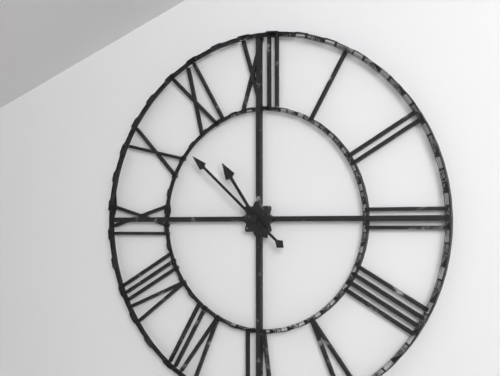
10:52
